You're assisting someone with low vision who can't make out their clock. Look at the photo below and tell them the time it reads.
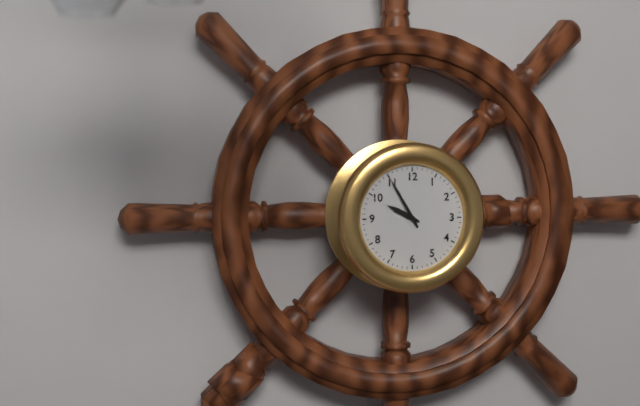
9:55
